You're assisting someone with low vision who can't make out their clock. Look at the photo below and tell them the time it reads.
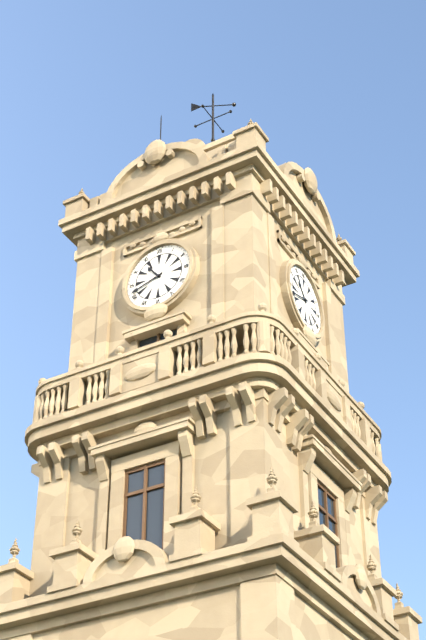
10:42
